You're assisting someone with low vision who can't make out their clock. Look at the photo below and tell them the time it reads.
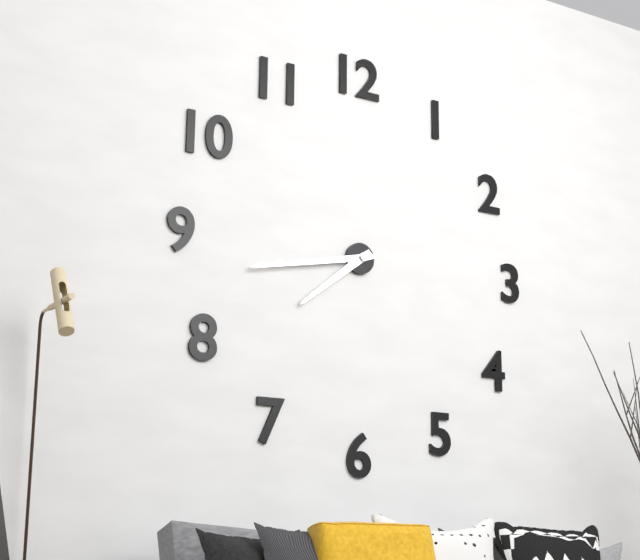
7:43
